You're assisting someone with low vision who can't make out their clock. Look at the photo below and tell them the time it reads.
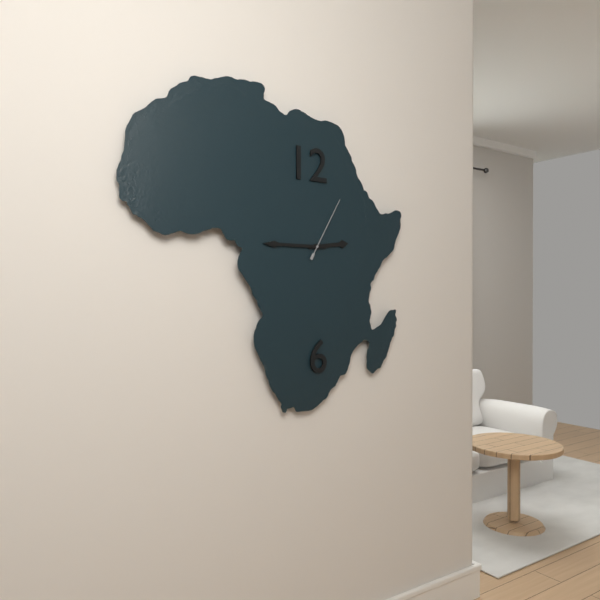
2:45:05
